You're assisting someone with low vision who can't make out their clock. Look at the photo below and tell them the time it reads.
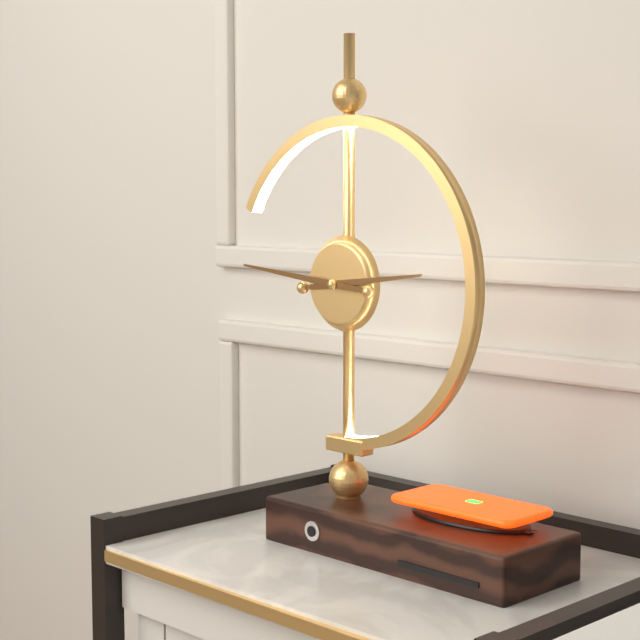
2:46
